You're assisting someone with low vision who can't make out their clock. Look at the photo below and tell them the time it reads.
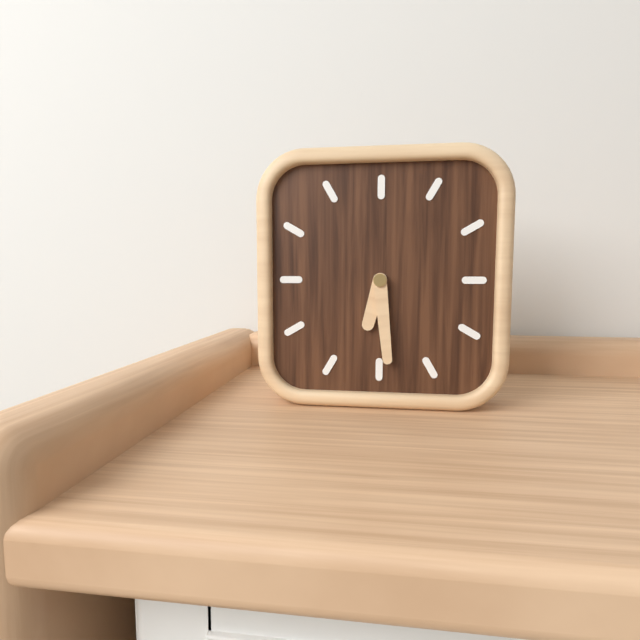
6:29
